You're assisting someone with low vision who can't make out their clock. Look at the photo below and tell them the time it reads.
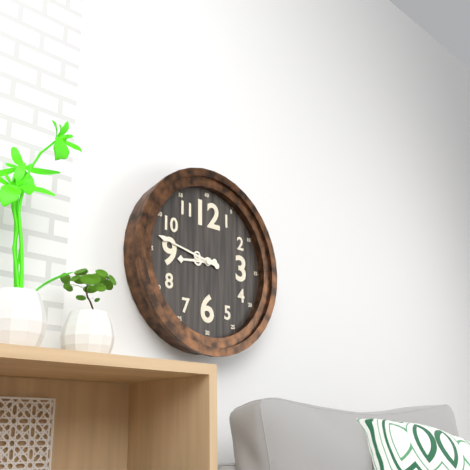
8:47
